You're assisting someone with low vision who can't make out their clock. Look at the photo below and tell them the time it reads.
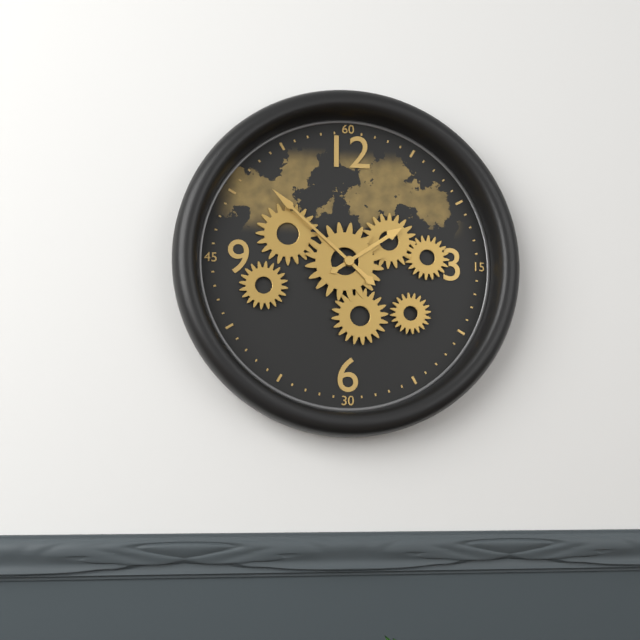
1:52
